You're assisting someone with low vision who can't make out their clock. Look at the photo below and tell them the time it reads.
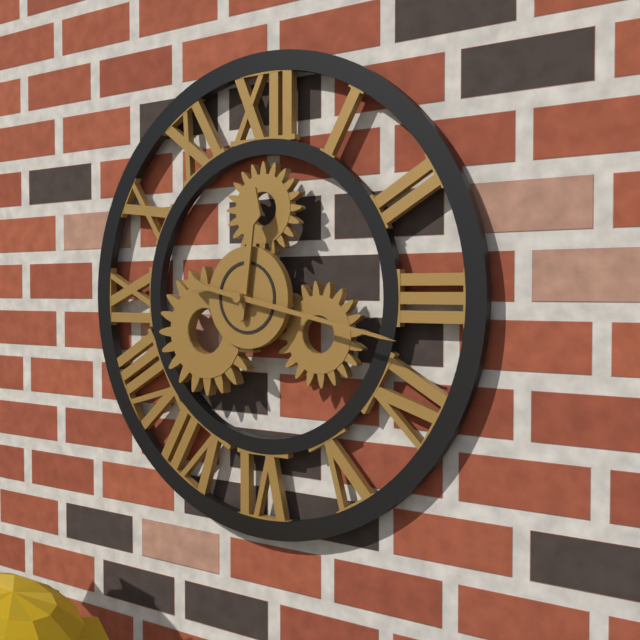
12:17
